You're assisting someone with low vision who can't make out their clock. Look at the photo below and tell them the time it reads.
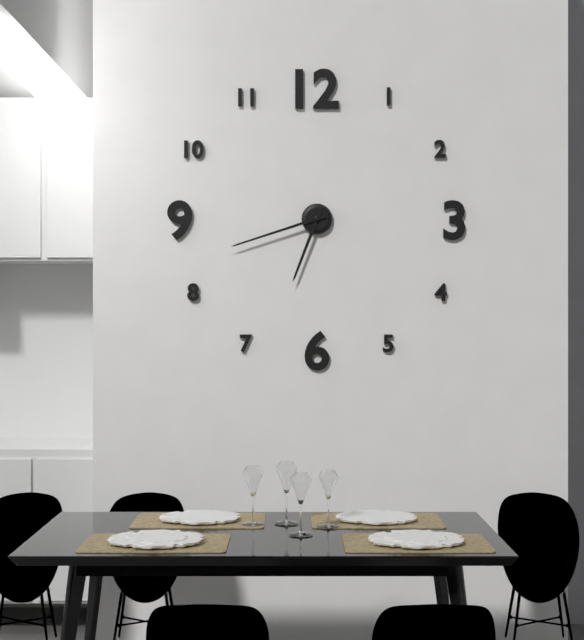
6:42
